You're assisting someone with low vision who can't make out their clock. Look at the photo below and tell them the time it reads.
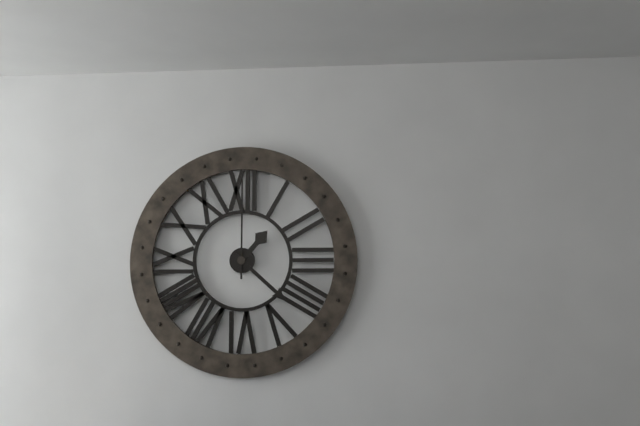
1:22:00
